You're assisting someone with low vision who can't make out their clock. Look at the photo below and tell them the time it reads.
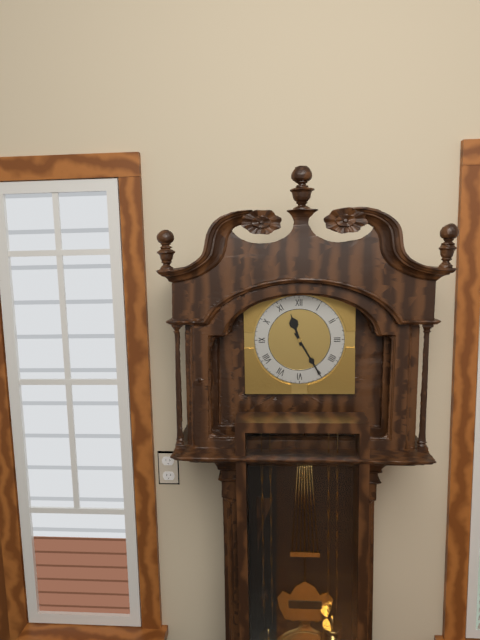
11:25
